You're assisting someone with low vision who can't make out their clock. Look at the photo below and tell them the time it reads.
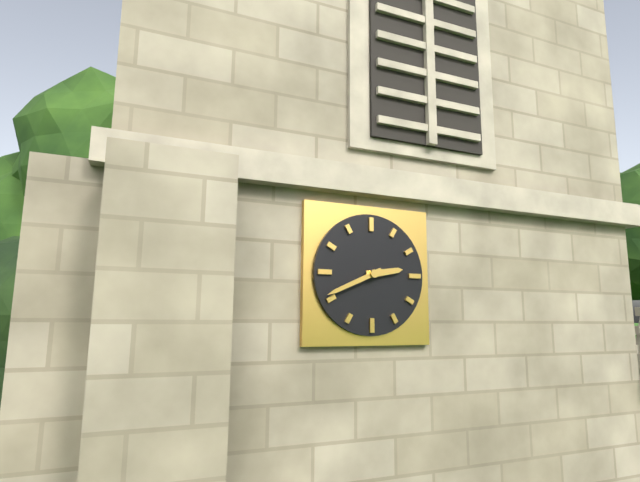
2:41
